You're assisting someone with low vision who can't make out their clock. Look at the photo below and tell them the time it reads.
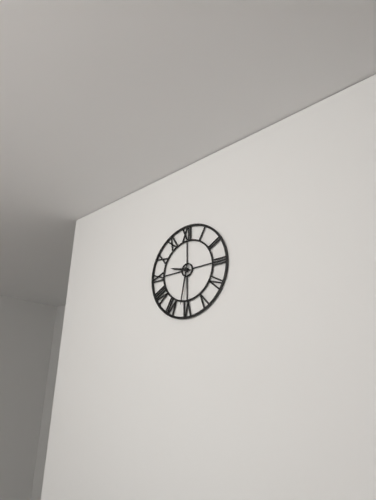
9:32
